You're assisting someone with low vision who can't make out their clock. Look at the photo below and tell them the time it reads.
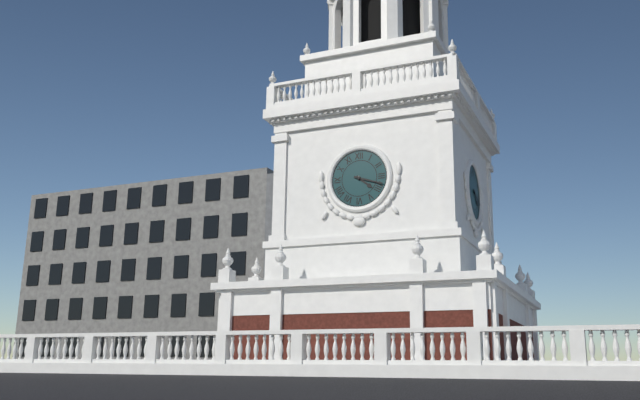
4:18
